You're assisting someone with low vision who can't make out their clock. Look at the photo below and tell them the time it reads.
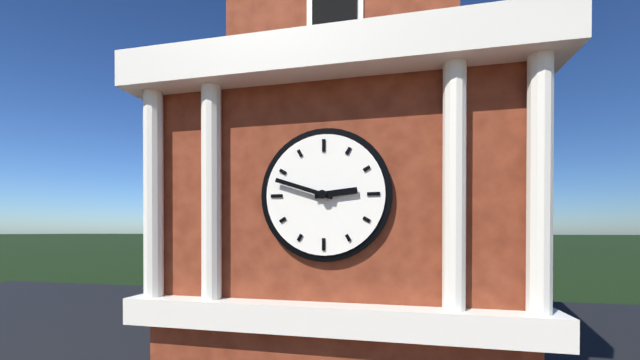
2:48
